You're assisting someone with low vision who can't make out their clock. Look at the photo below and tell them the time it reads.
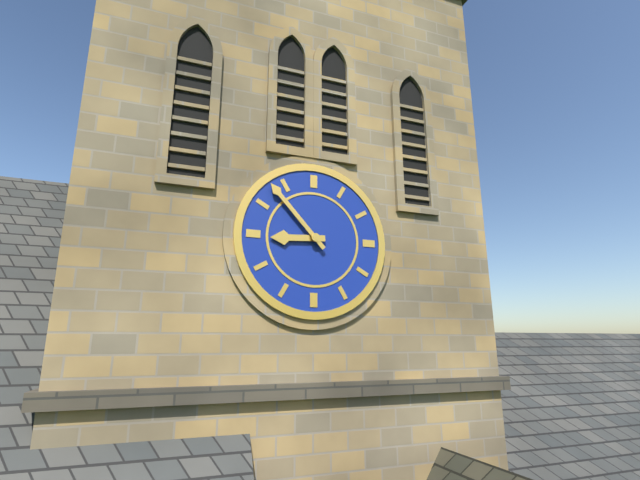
8:53
